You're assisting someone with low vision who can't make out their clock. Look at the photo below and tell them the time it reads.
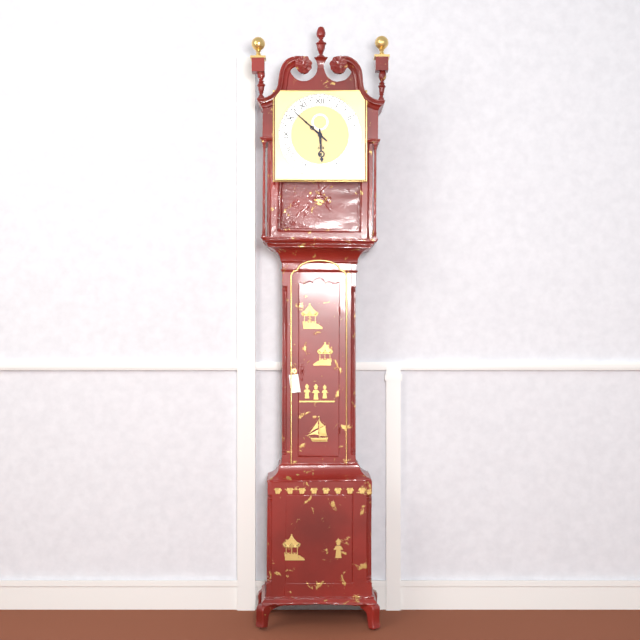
5:52
